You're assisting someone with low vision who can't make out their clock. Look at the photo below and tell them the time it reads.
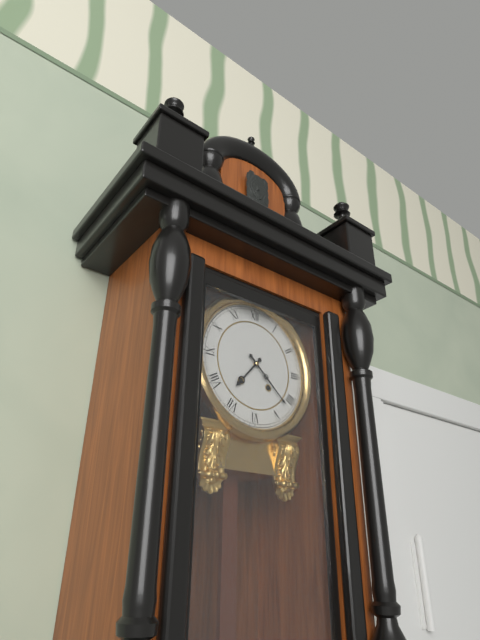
7:22
